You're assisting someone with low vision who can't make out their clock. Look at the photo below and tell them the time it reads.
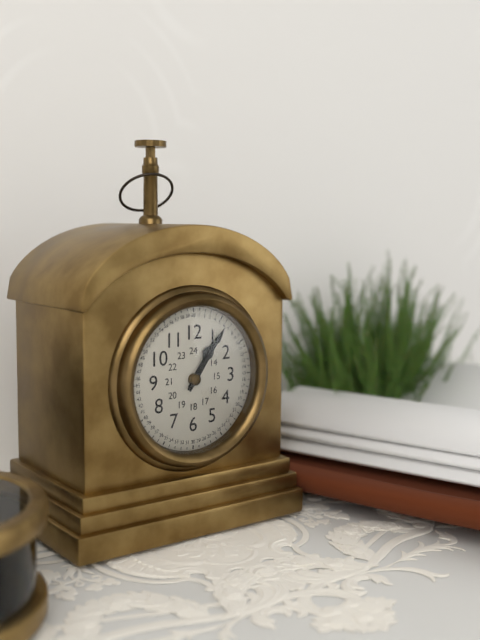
1:06
